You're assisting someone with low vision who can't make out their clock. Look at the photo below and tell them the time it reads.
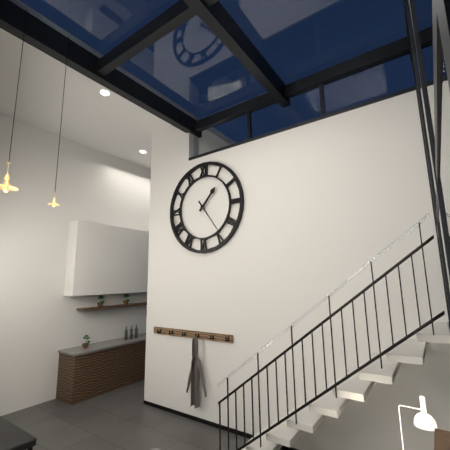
1:24
